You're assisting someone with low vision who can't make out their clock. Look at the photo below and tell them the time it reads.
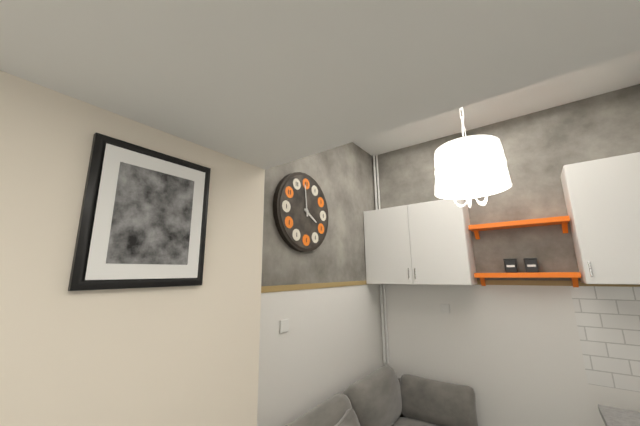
3:59
